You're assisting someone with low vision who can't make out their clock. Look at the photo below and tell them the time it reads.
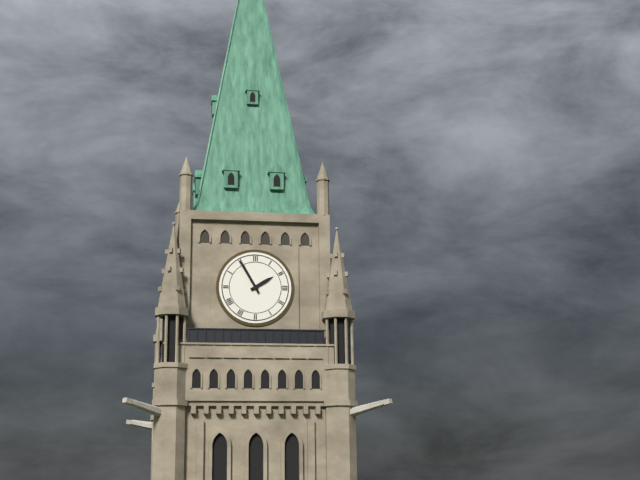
1:55
